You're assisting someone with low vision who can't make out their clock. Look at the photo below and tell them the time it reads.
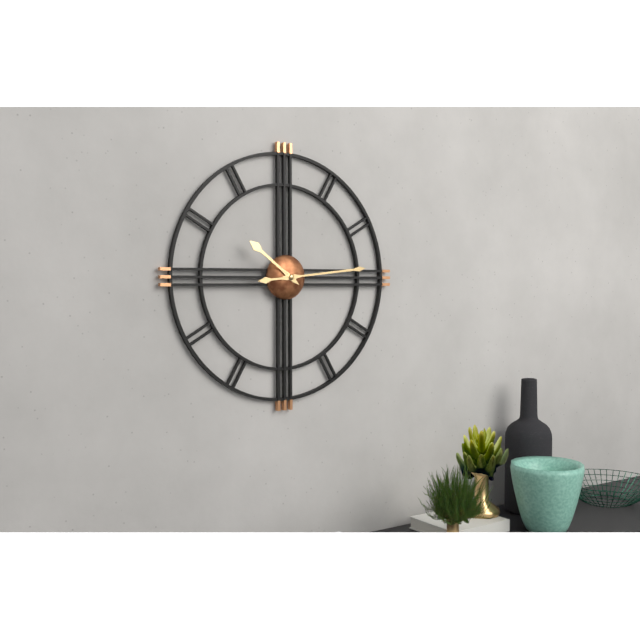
10:14
